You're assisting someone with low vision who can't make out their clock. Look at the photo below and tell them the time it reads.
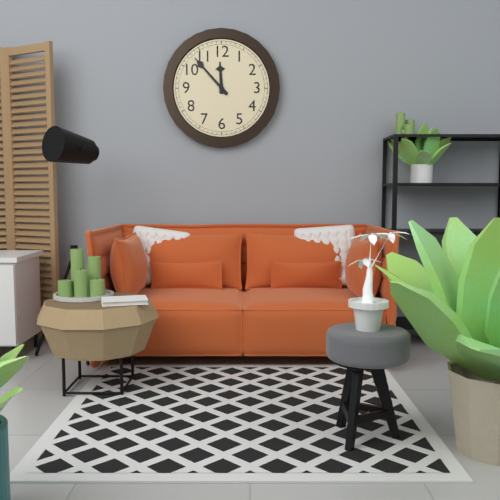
11:53
